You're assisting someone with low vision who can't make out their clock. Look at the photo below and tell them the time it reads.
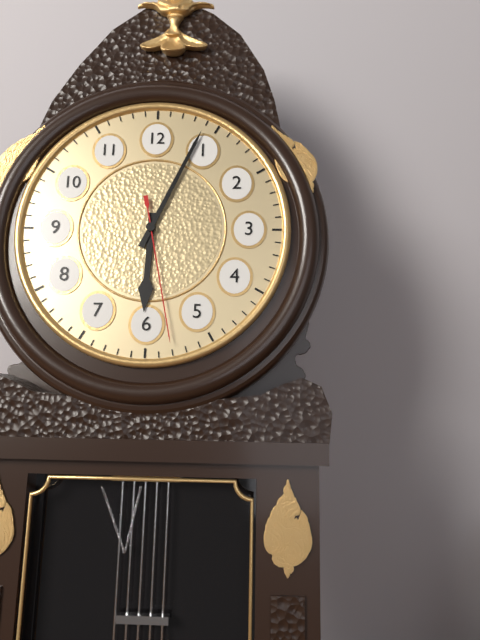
6:04:28
